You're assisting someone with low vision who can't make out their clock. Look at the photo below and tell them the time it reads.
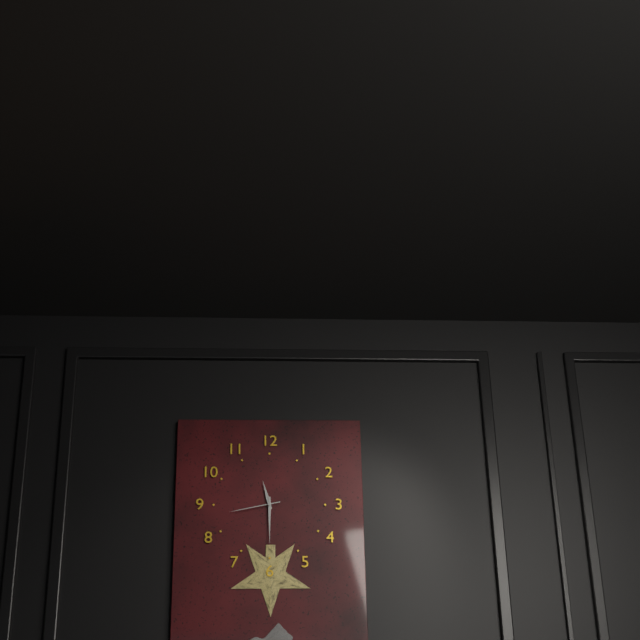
11:30:43
